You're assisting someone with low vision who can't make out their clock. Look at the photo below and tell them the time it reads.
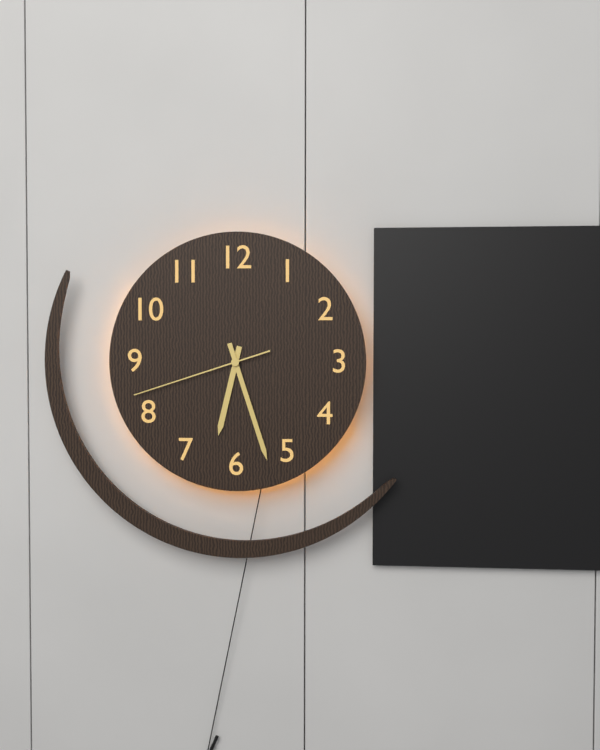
6:27:42
